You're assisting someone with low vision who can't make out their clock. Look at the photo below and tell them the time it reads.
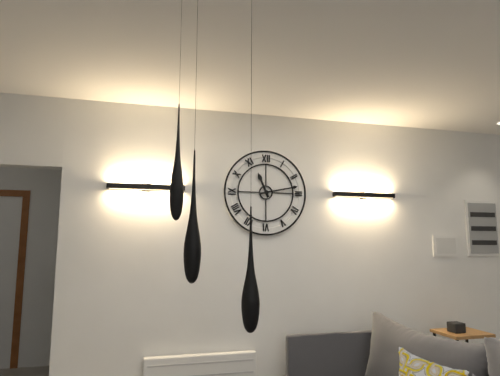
11:13
